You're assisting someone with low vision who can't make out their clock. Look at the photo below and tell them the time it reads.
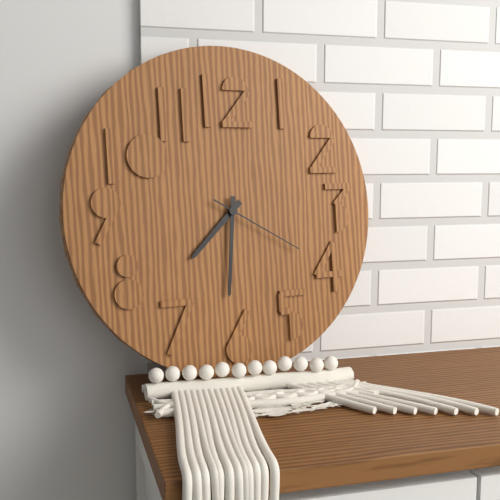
7:31:20
